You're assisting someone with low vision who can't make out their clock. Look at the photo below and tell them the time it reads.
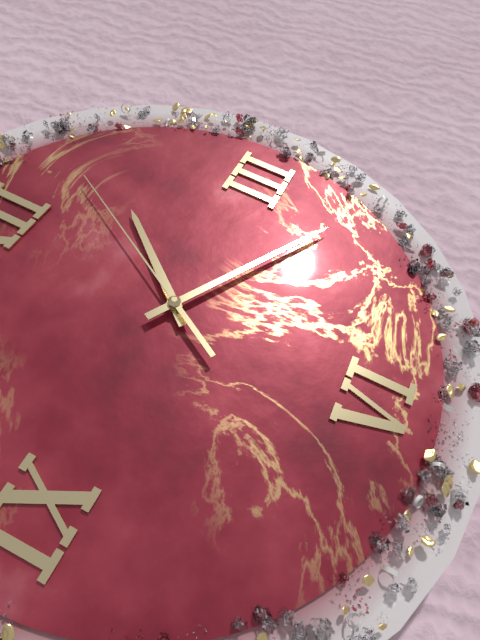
1:20:05
